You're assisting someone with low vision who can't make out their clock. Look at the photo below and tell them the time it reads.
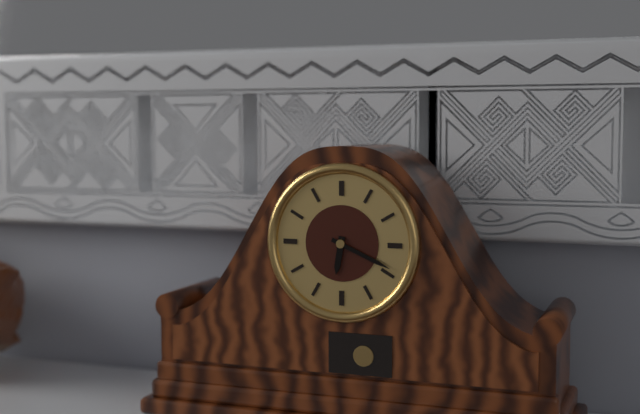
6:19
